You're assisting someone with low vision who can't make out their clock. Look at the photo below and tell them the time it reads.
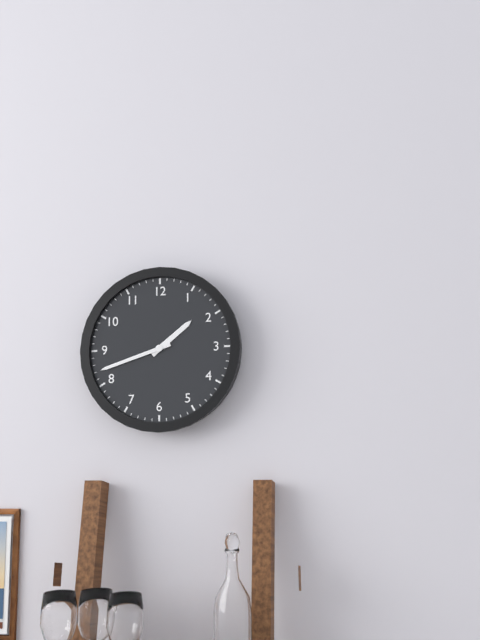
1:42
